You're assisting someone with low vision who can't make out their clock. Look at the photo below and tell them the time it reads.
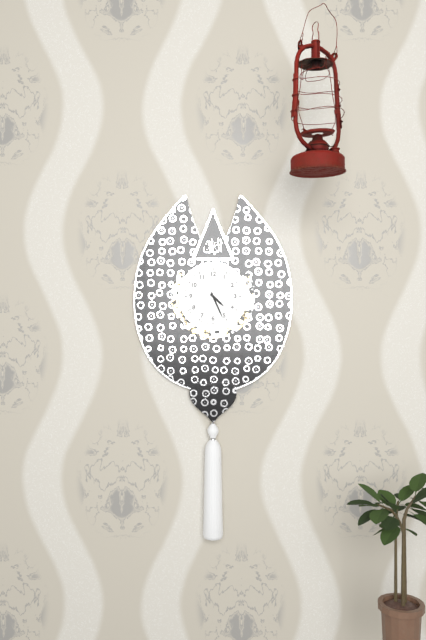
4:26
